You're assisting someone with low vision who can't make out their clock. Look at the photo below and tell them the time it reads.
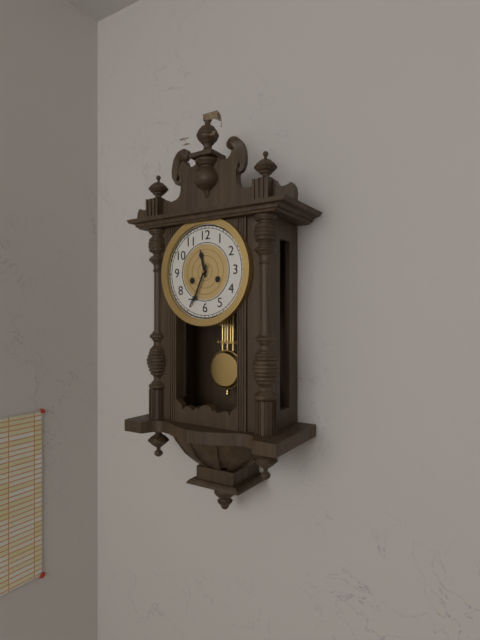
11:34
